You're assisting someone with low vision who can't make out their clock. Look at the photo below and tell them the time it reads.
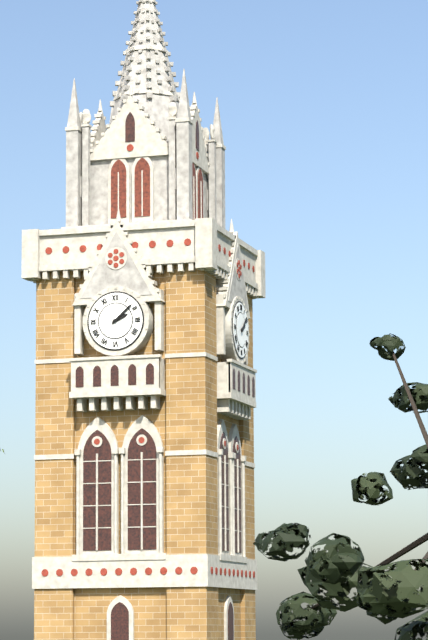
2:08
